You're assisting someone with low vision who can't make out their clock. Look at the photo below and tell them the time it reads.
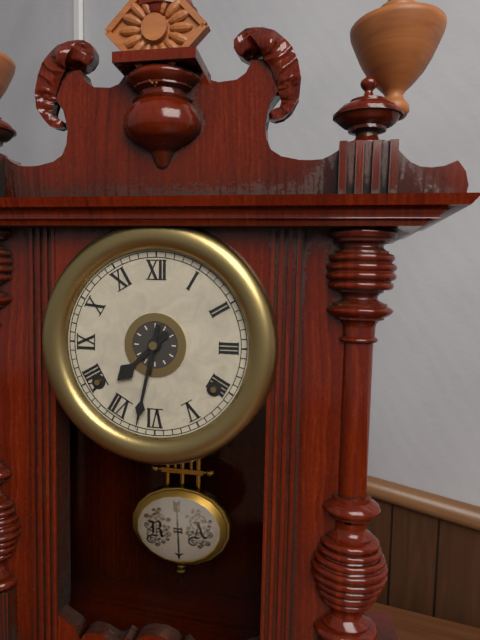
7:32
